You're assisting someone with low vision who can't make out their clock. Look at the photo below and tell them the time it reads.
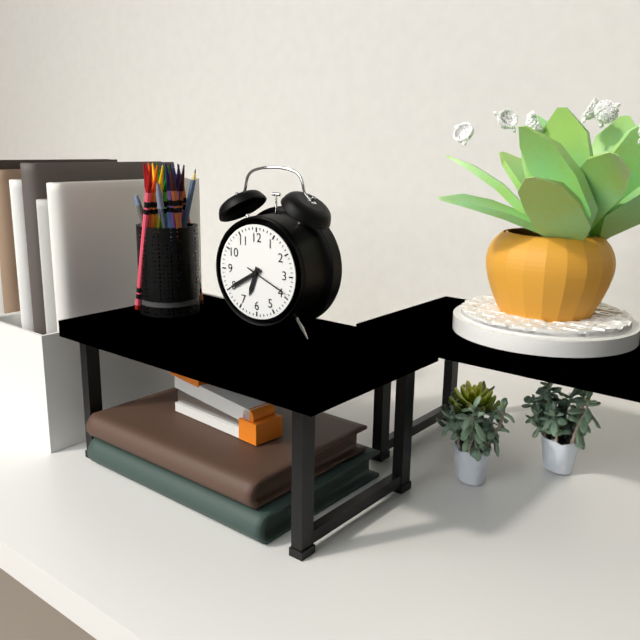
6:40
